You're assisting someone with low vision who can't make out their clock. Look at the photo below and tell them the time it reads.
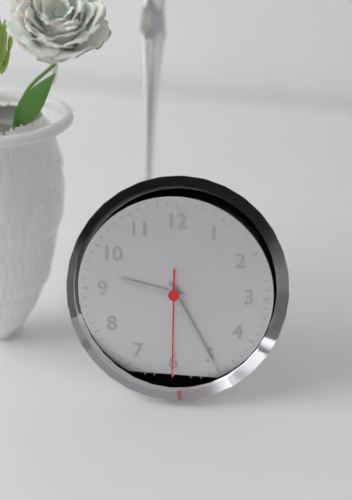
9:25:30
